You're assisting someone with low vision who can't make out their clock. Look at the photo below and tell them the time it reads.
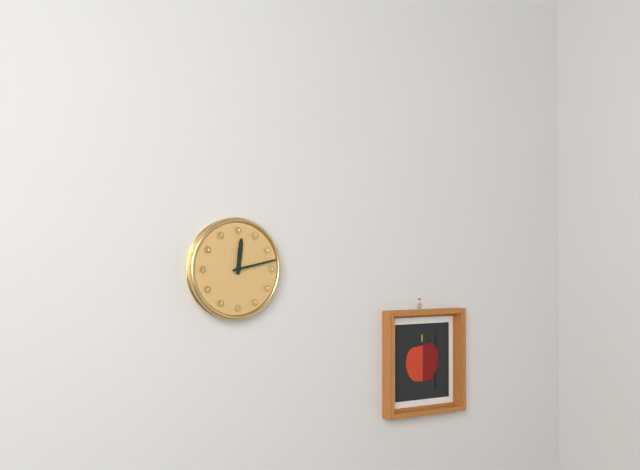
12:13
